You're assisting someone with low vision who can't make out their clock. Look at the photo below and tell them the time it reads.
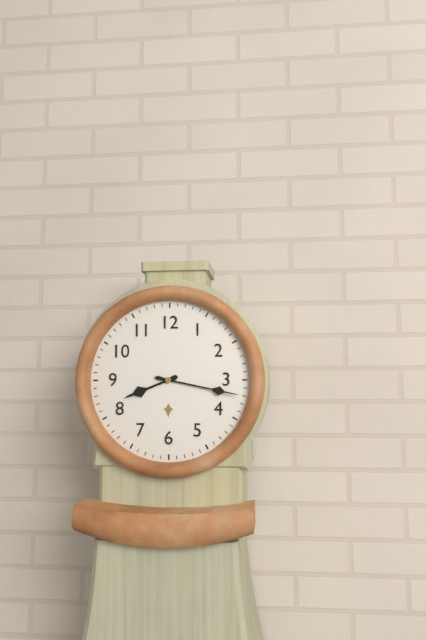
8:17
